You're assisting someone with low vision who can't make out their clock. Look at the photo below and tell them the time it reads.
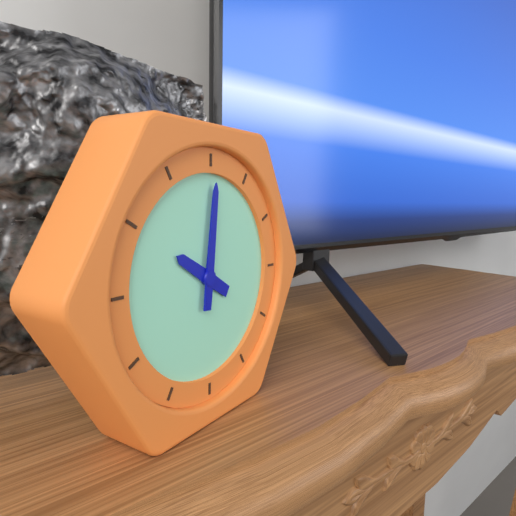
10:01
